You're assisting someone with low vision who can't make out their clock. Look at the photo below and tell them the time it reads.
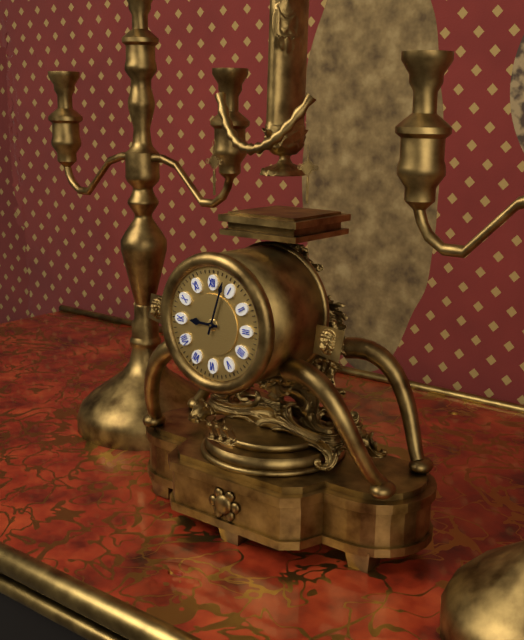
9:03
